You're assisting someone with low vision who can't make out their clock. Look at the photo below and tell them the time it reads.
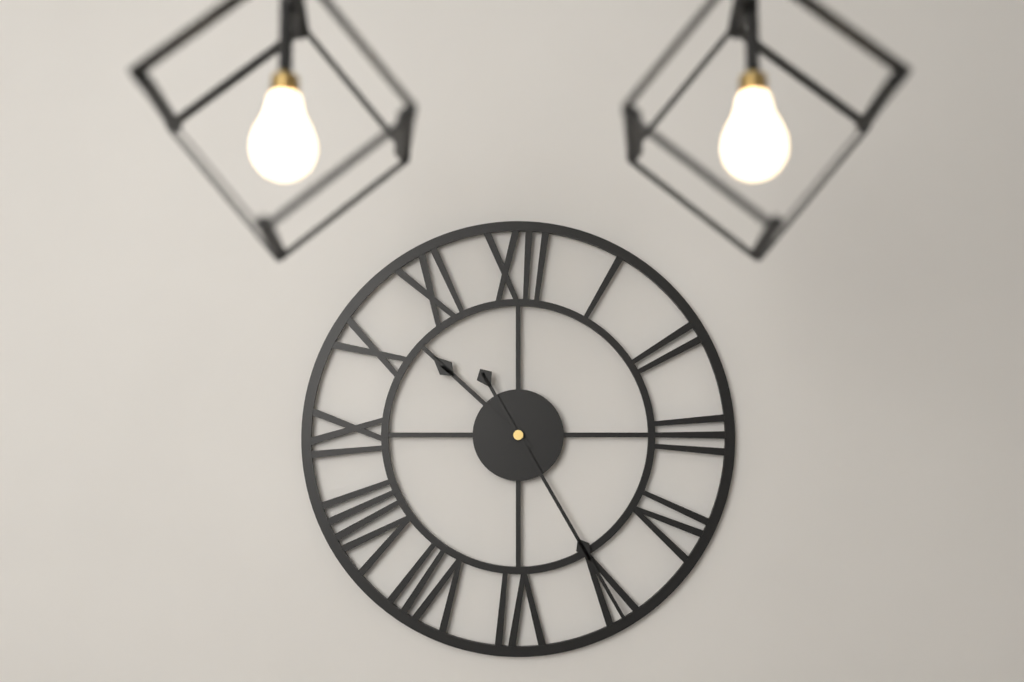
10:25
